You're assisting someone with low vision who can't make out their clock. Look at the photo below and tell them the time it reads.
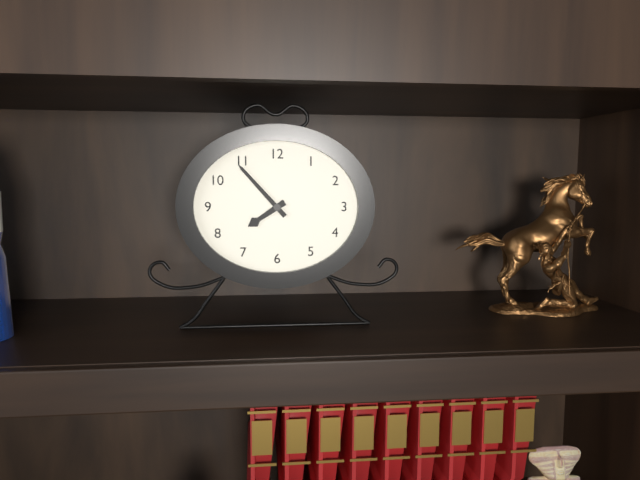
7:53
